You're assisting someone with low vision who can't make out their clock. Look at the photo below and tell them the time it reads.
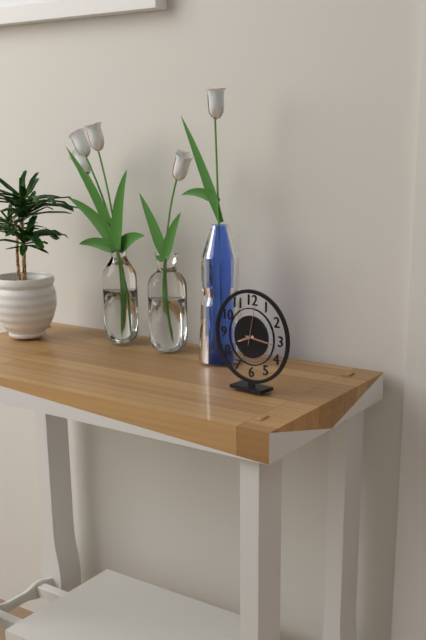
8:16
